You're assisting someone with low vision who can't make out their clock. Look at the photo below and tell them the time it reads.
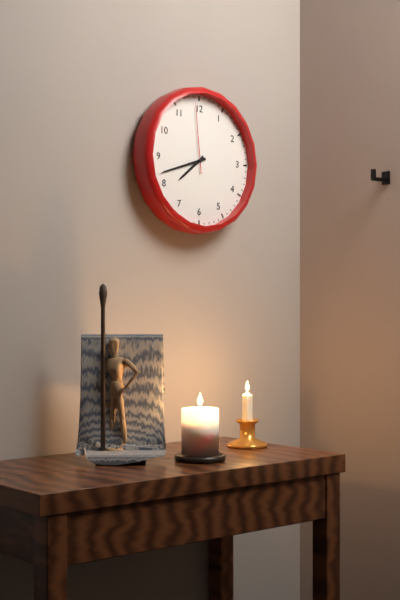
7:42:59
